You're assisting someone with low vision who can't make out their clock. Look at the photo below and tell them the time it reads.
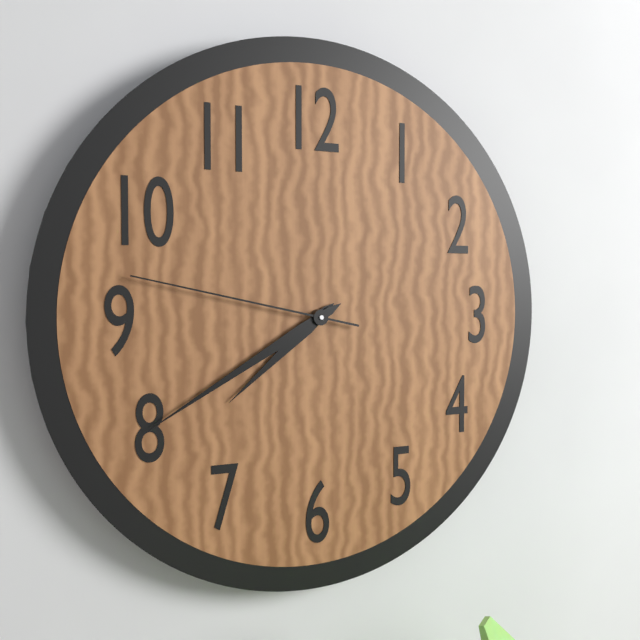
7:40:47
